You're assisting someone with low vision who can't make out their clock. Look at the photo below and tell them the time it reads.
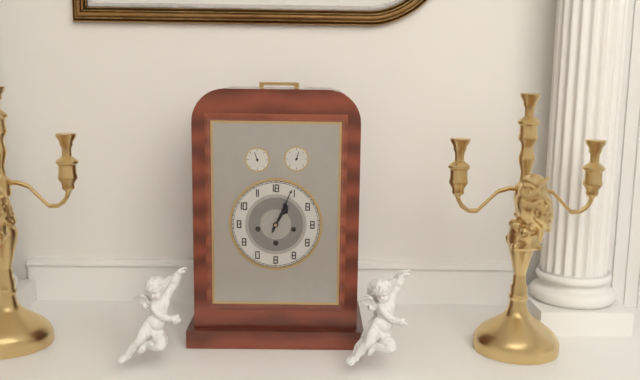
1:04
